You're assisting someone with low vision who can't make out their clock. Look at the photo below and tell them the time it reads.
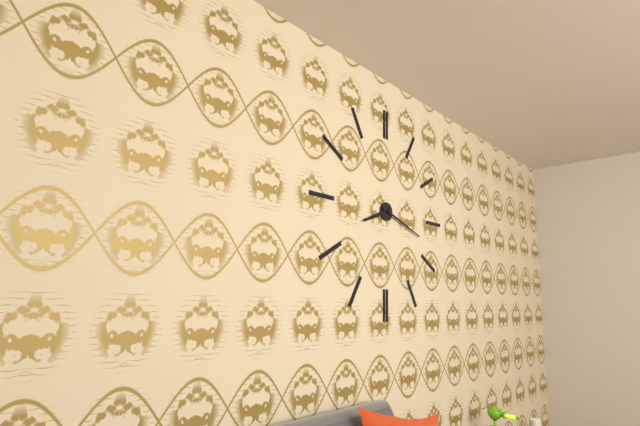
8:18
